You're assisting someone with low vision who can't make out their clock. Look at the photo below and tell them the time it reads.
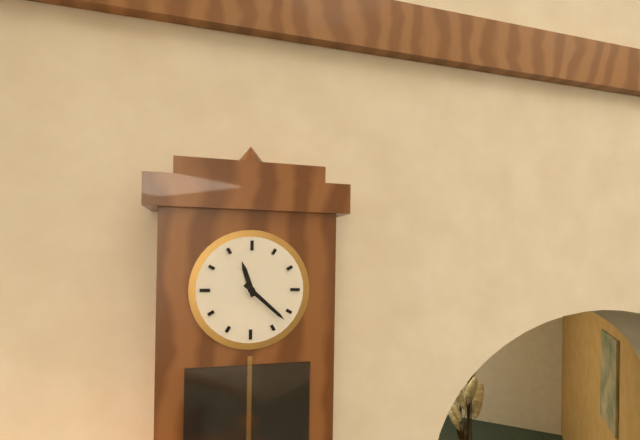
11:22
